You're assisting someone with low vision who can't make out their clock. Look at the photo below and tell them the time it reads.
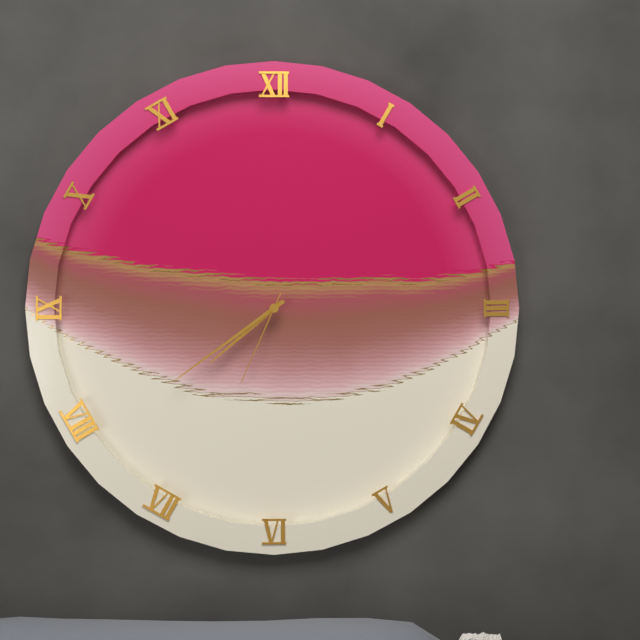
7:39:34
